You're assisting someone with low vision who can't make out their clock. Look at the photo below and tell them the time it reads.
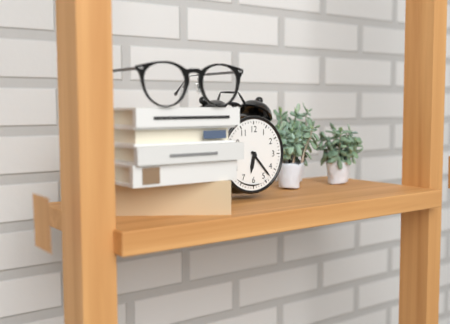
6:23
